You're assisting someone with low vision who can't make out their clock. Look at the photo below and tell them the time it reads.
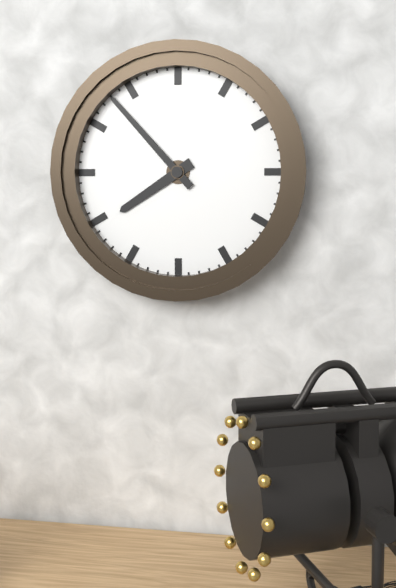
7:53
